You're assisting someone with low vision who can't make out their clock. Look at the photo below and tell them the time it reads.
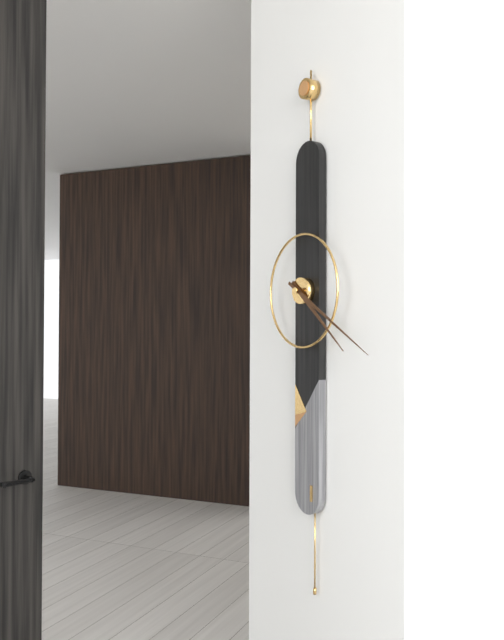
4:20
